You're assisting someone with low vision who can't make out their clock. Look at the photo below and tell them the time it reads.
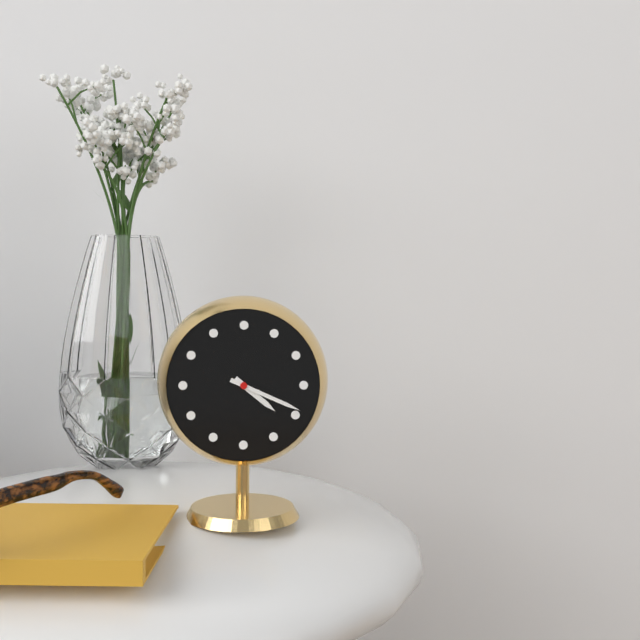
4:19
